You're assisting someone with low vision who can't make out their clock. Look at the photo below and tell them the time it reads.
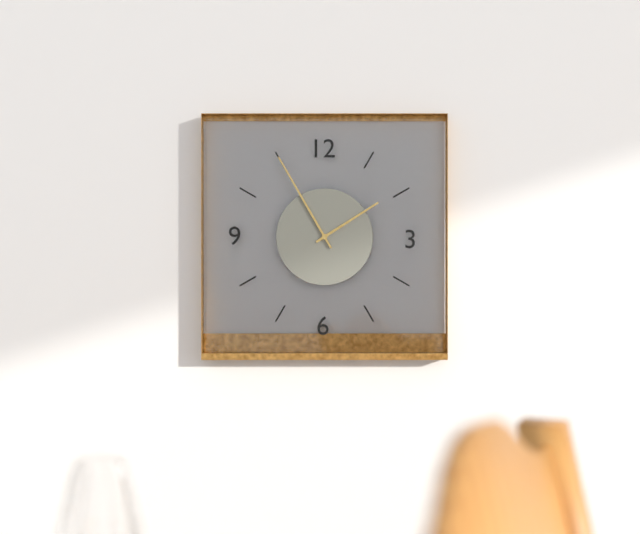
1:55
